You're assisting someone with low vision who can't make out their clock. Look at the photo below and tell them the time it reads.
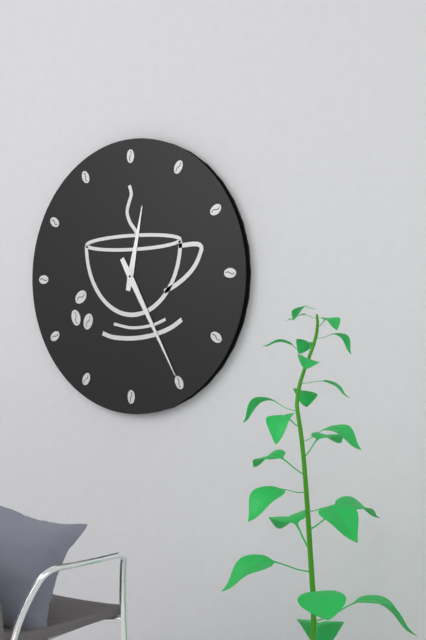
12:25
